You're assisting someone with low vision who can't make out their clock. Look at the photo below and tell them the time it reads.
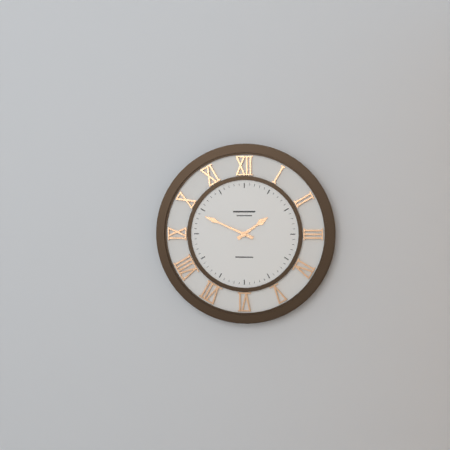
1:49
